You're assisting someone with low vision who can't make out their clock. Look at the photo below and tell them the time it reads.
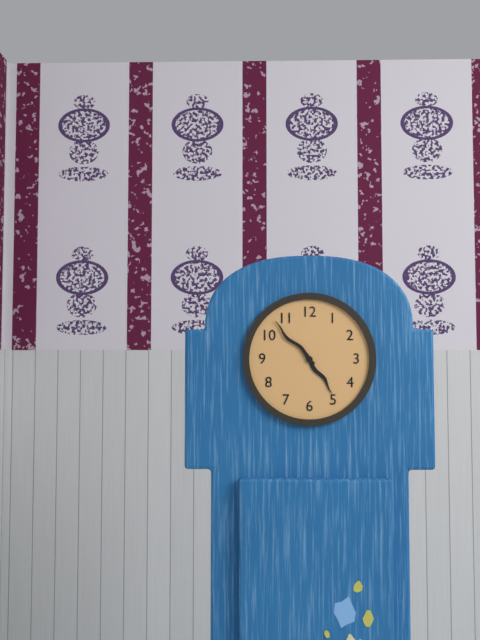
4:53
